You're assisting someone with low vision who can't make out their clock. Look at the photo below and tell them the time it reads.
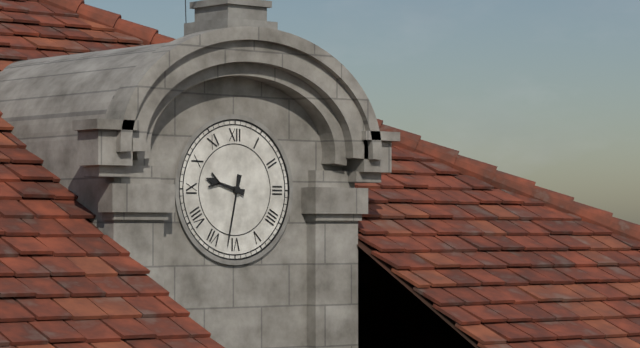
9:32
